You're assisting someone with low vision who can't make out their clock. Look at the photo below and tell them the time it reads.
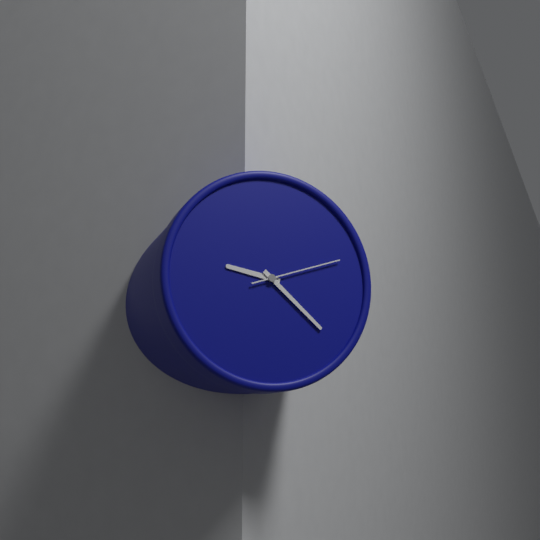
9:22:12
